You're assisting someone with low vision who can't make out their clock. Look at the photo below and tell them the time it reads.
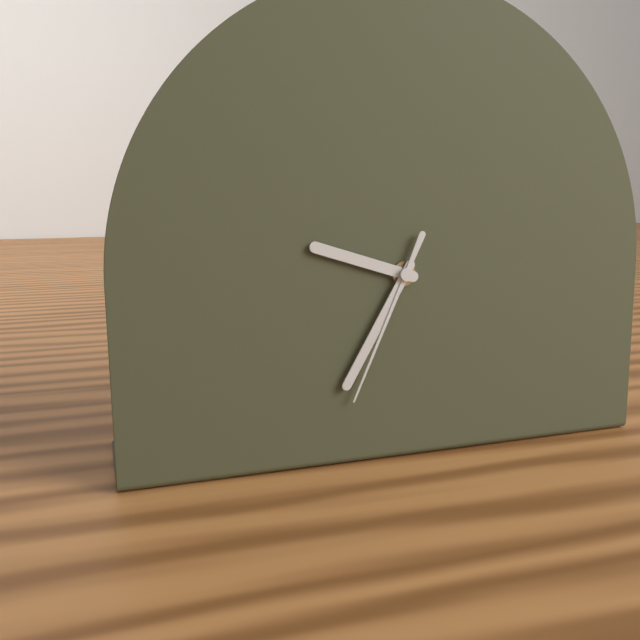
9:35:34
